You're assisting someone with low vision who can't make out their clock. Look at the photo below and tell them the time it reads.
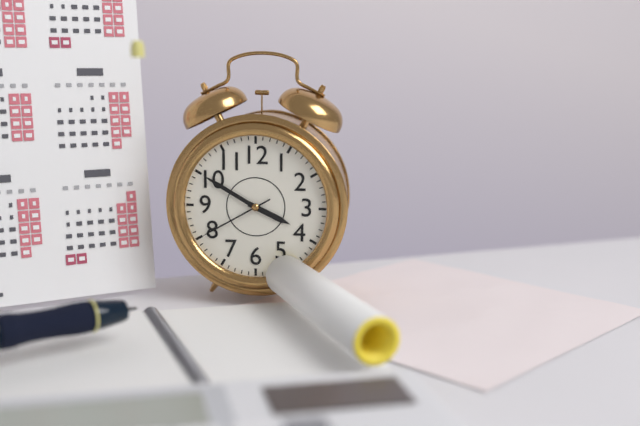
3:50:40
